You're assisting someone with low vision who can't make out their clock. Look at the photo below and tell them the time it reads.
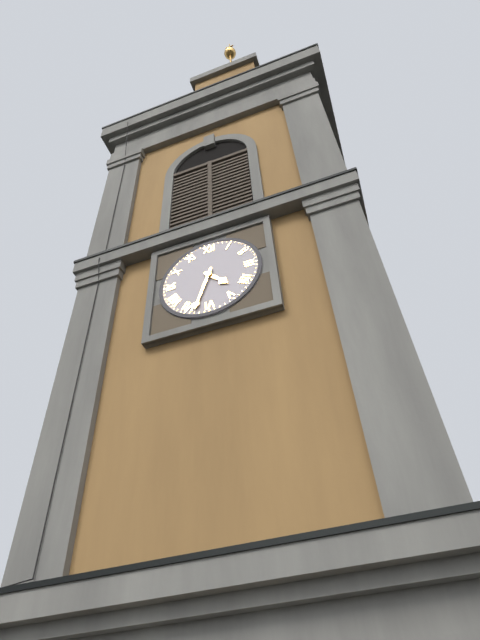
4:33
